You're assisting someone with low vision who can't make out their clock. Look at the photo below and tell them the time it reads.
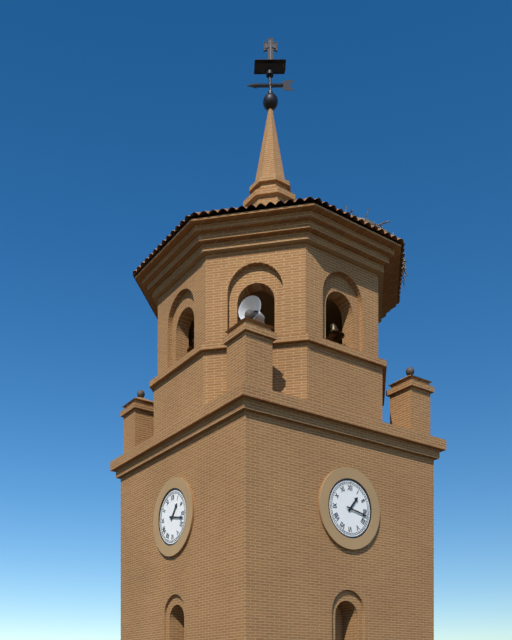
1:17
